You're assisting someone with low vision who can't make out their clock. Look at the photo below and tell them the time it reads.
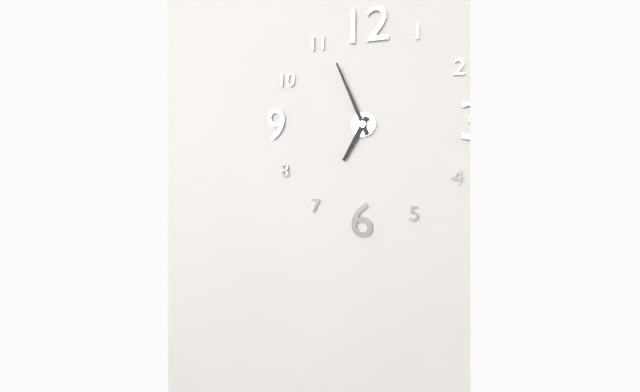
6:56
